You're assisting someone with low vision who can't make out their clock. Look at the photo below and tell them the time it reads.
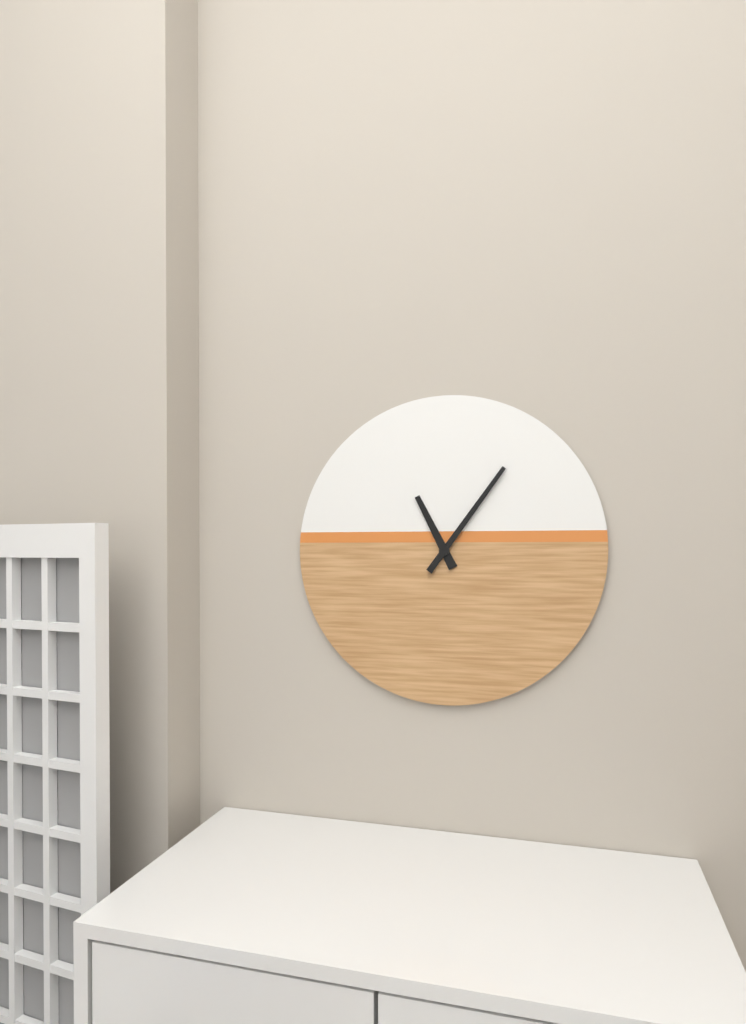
11:06
